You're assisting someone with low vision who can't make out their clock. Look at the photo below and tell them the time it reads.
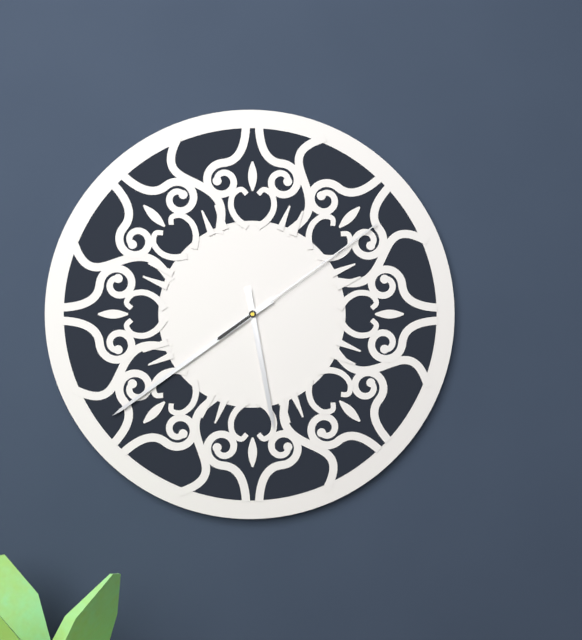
5:39:09
